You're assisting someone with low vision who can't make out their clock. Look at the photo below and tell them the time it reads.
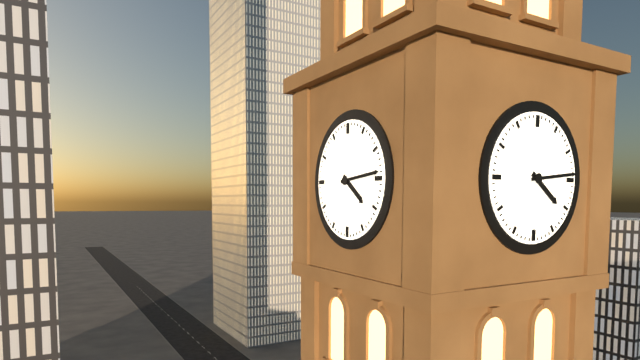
4:14
